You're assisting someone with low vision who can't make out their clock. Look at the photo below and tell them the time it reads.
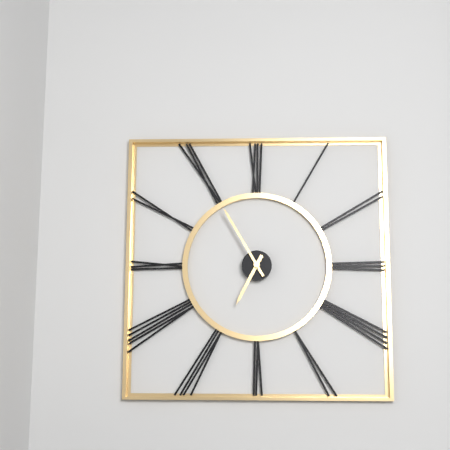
6:55
